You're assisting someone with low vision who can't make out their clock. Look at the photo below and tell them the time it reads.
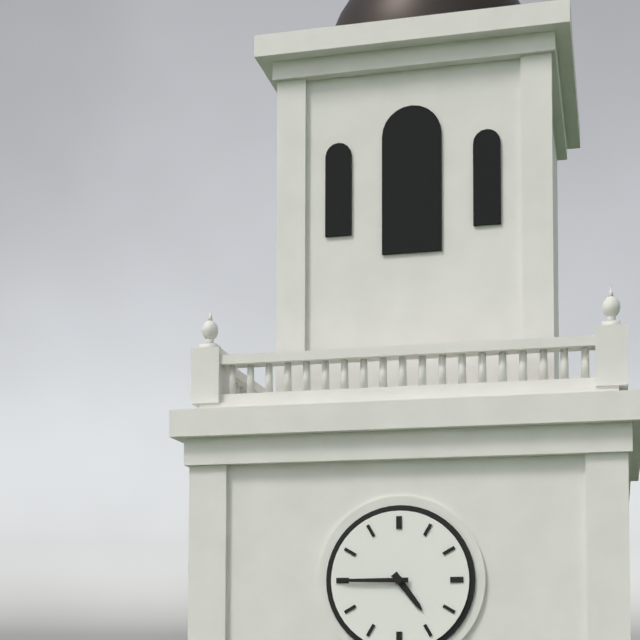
4:45
